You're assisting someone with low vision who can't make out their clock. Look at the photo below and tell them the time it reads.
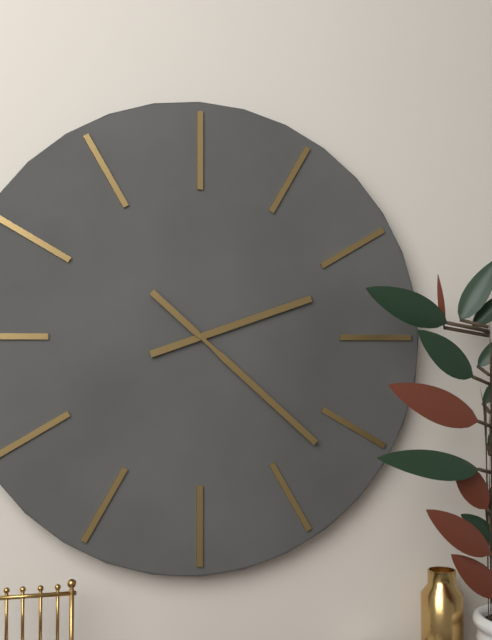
2:22
